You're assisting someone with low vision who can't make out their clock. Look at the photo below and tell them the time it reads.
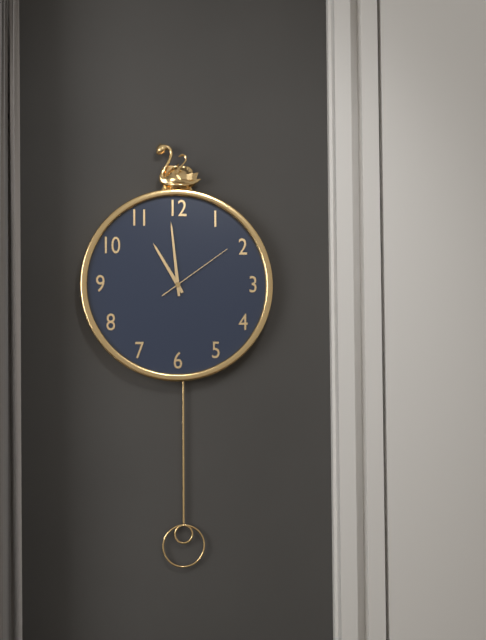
10:59:09
